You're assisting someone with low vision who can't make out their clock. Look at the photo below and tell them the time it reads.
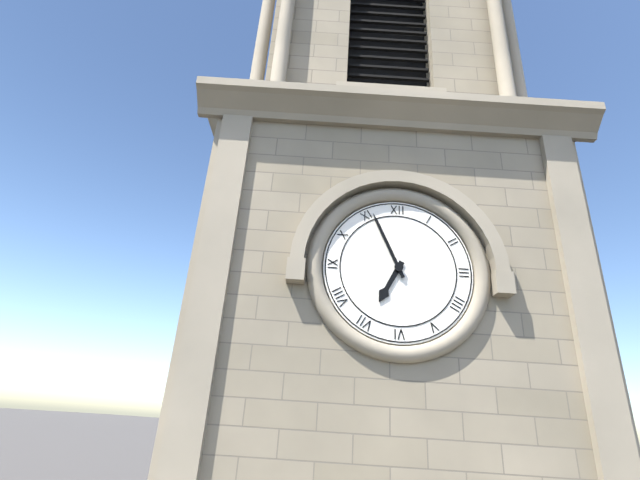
6:56
